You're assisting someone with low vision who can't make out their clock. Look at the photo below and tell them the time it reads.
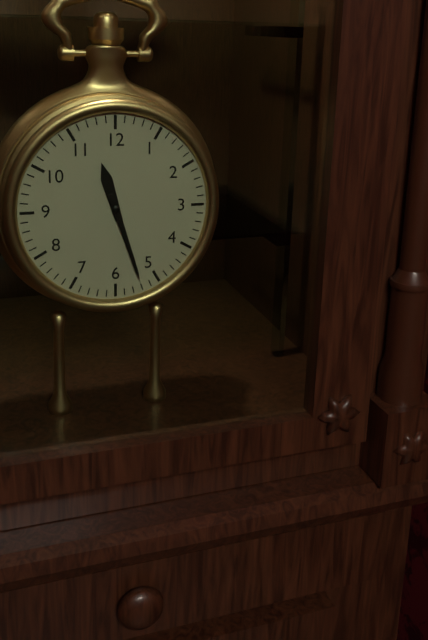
11:27
